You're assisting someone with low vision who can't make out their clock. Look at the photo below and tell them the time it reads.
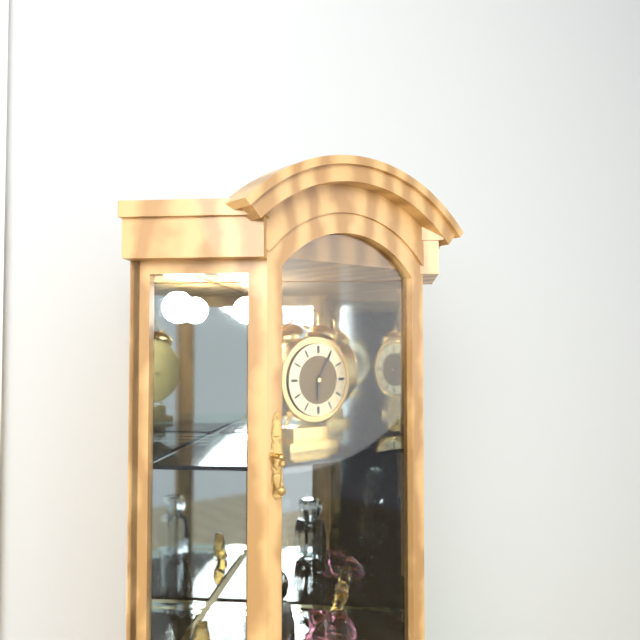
6:05
